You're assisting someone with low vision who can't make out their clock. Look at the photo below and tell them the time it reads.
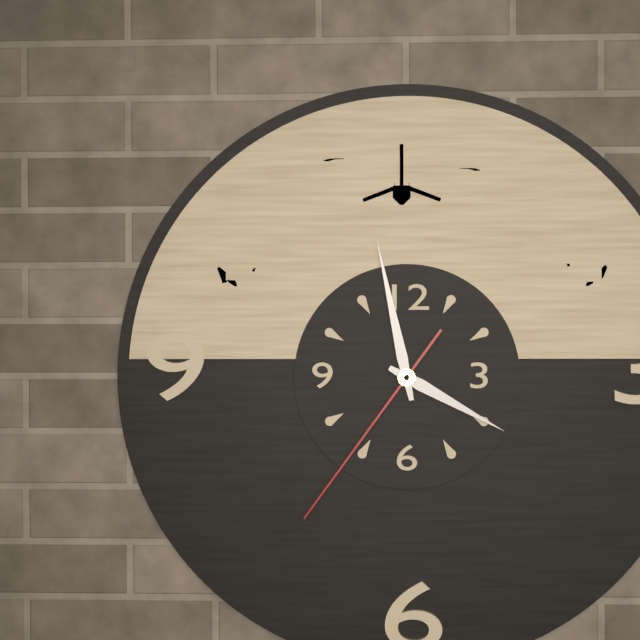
3:58:36
